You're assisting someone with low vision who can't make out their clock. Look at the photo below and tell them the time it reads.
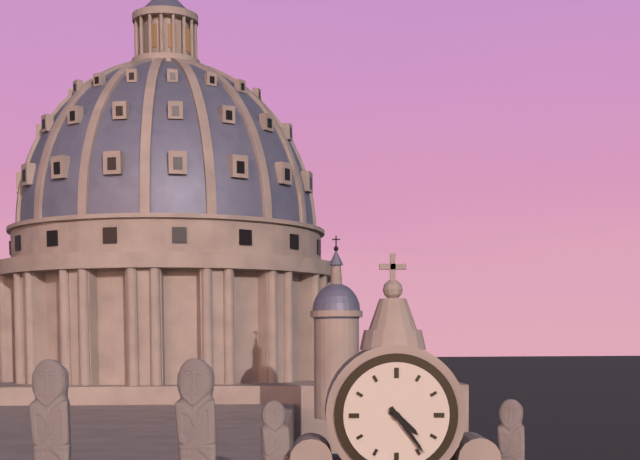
4:24
